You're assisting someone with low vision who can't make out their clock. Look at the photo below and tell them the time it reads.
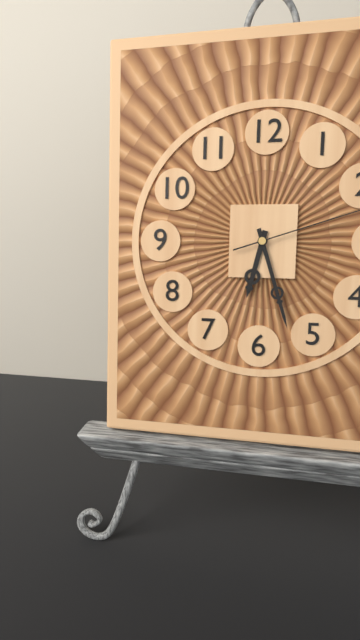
6:27
